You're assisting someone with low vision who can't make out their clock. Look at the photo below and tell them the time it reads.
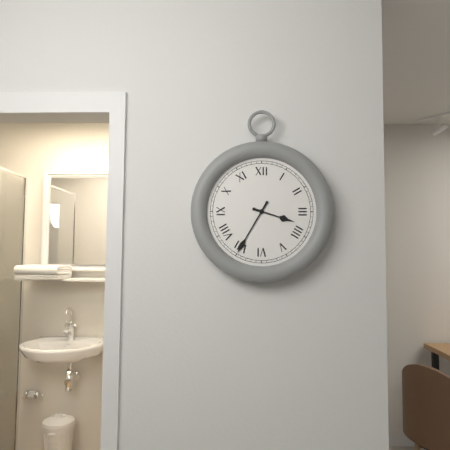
3:35
